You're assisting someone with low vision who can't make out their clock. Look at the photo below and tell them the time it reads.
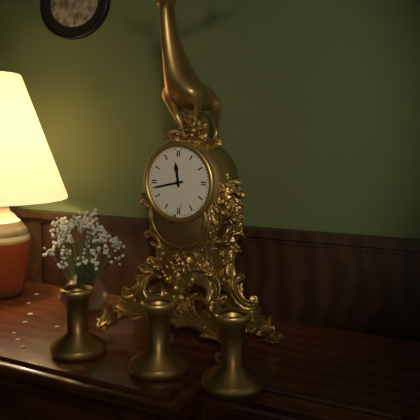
11:43
